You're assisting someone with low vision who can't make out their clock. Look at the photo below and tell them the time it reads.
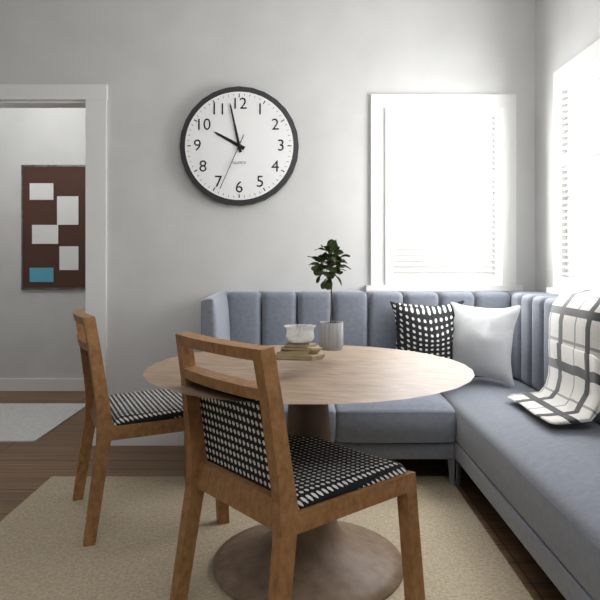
9:58:34
